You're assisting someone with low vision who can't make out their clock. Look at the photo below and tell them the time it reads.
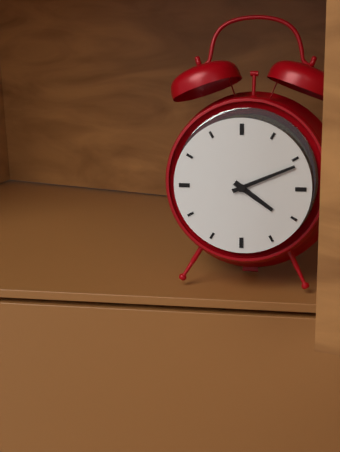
4:11
